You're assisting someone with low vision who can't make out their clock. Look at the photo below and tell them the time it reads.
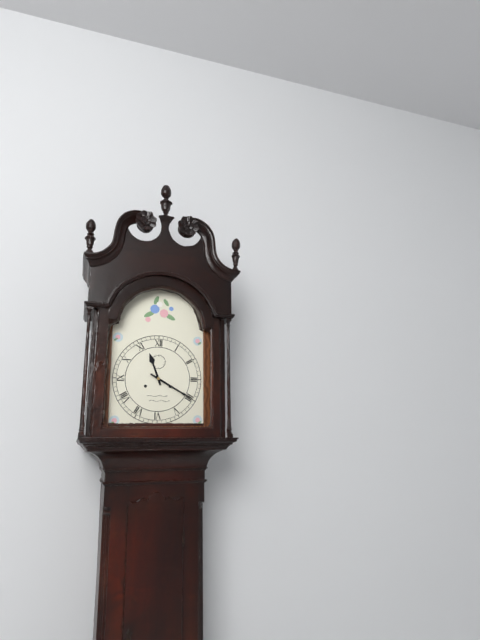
11:20
